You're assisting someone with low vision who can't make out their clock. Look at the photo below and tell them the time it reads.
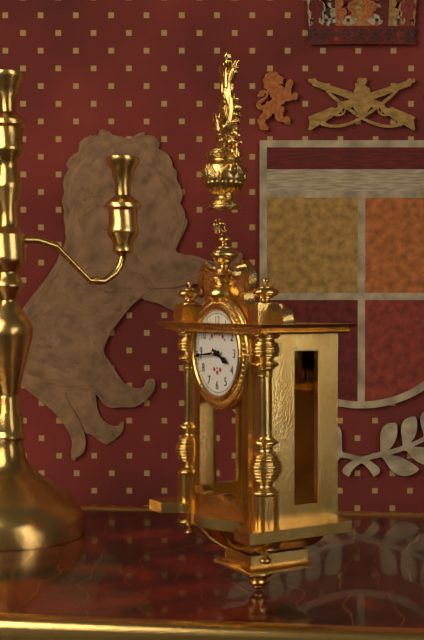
3:44
